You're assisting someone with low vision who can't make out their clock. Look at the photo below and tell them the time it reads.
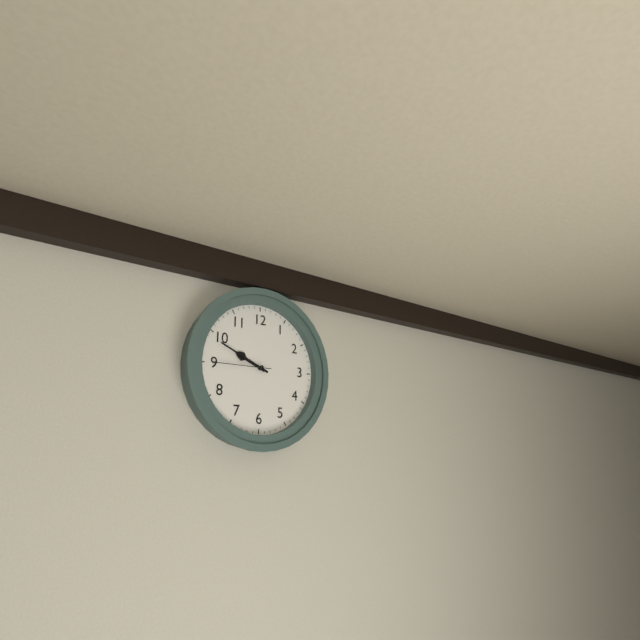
9:49:45
